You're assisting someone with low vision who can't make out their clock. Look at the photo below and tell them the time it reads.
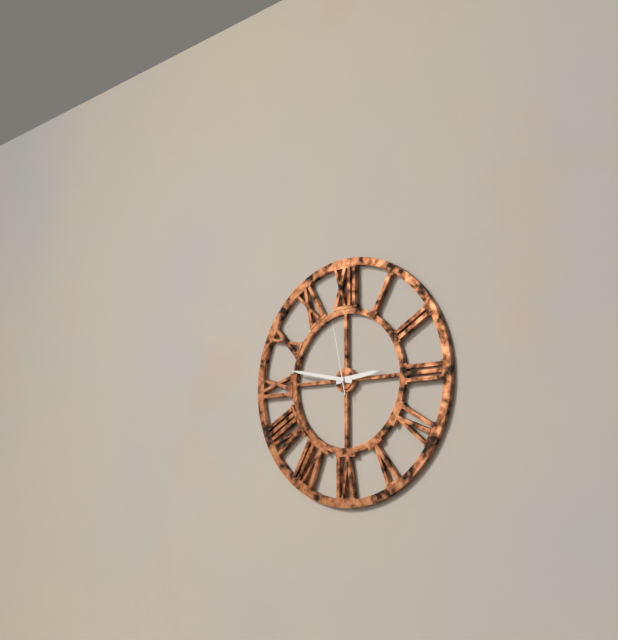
2:47:58
